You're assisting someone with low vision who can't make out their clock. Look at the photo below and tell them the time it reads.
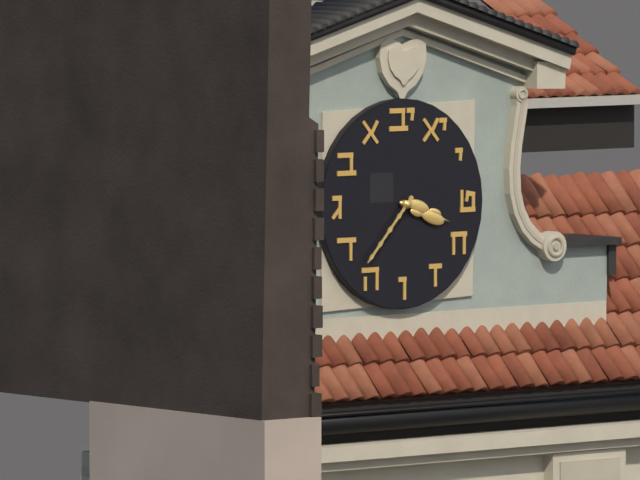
3:37
